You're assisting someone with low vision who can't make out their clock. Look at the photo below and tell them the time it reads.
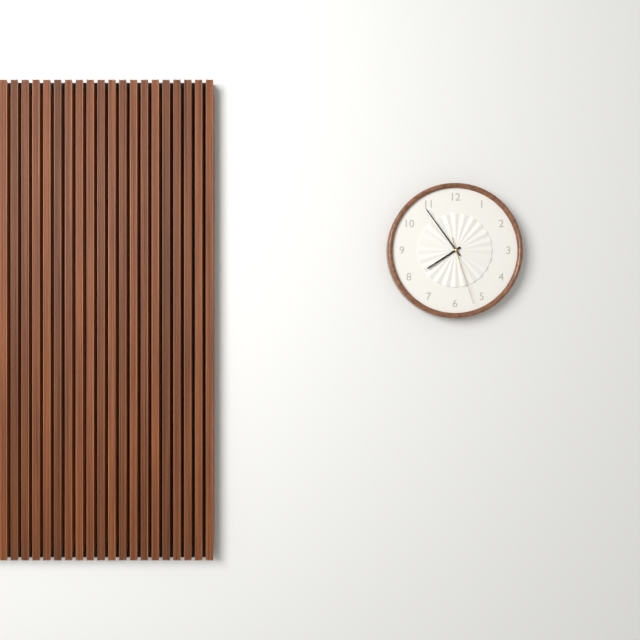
7:54:27
